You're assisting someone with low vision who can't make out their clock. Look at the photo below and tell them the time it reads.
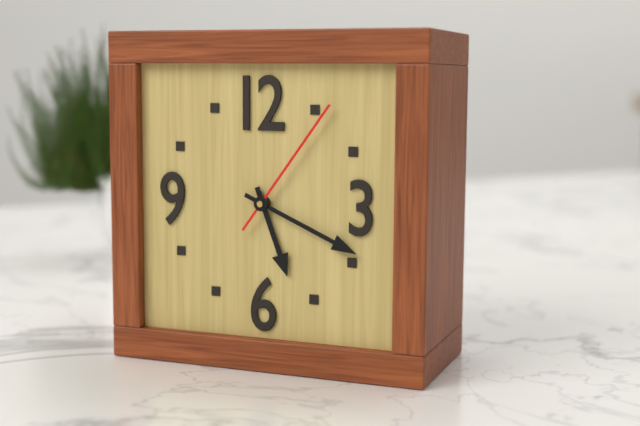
5:19:06
